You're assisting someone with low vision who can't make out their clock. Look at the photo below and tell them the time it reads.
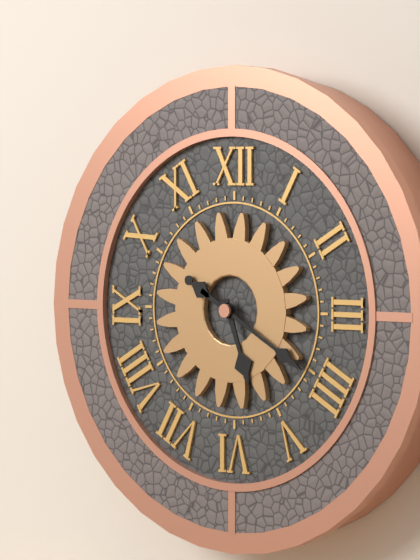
5:20
